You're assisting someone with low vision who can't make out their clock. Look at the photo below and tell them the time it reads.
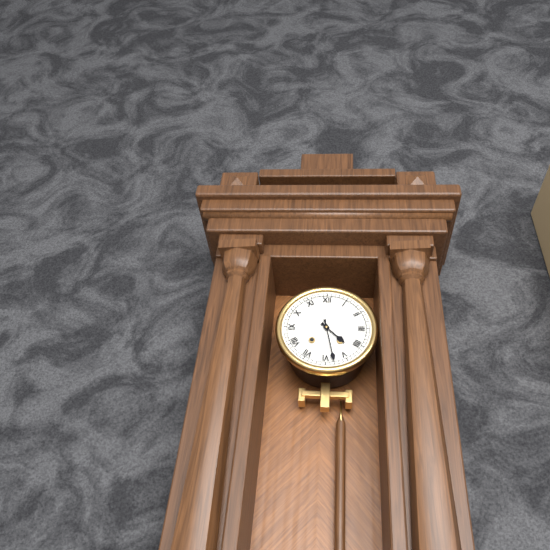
4:28
